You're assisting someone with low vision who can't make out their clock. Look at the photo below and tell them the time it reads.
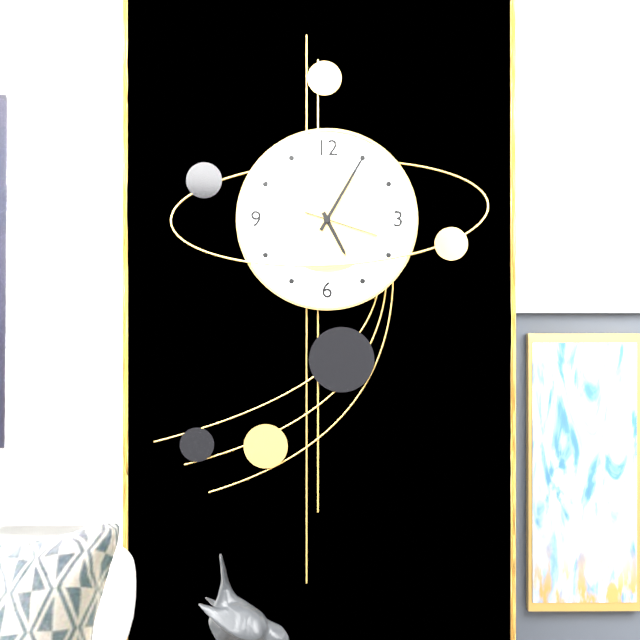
5:05:18
